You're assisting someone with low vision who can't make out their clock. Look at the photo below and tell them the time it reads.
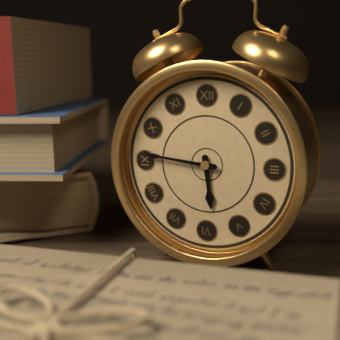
5:46
